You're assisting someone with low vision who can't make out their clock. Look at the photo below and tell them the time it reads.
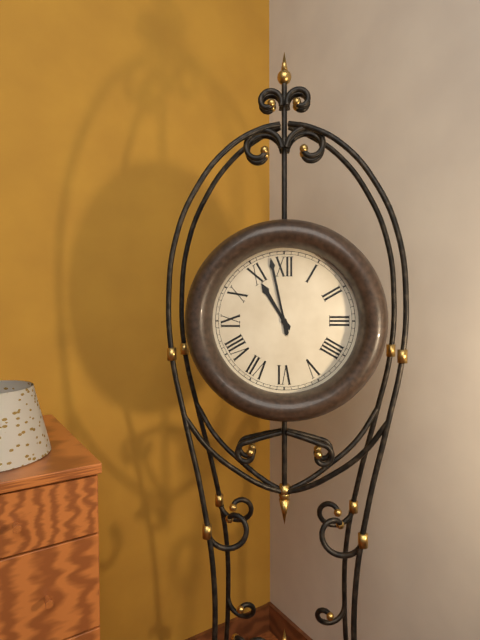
10:58
